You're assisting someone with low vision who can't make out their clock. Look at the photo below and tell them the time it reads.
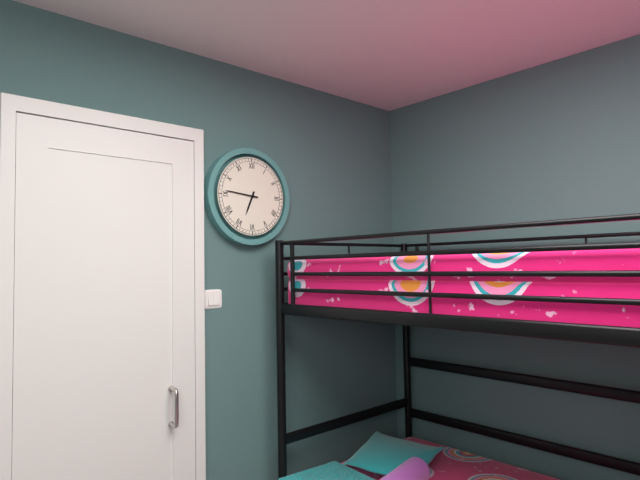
6:46
